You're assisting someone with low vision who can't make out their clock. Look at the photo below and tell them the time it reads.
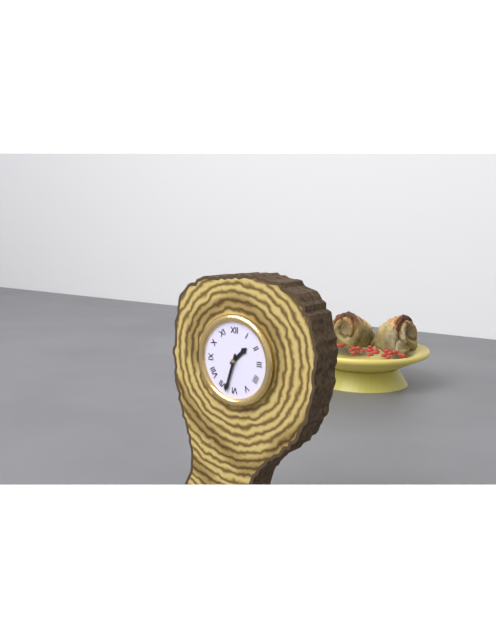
1:33
